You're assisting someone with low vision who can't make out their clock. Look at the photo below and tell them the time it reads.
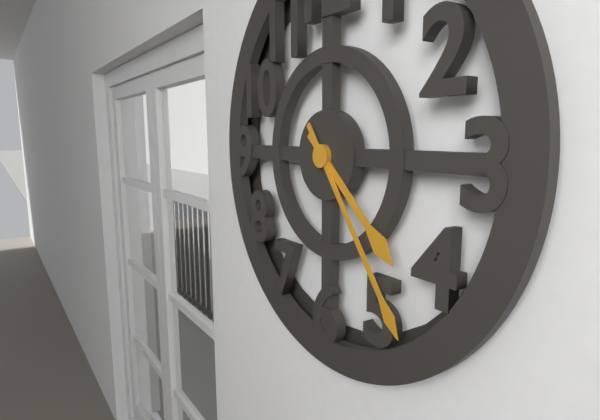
4:24
